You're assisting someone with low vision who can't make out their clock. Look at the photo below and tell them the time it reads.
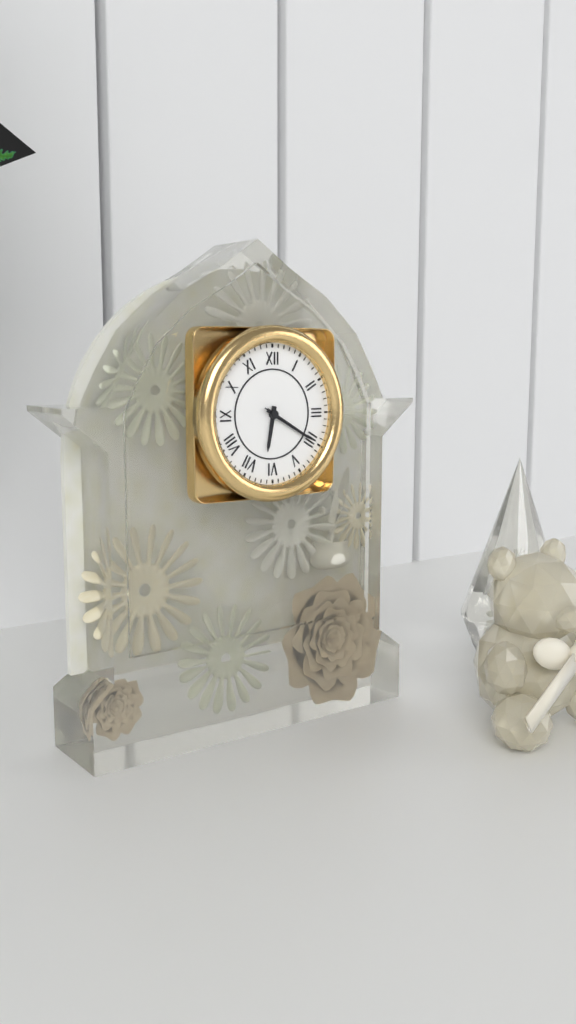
6:20:20
